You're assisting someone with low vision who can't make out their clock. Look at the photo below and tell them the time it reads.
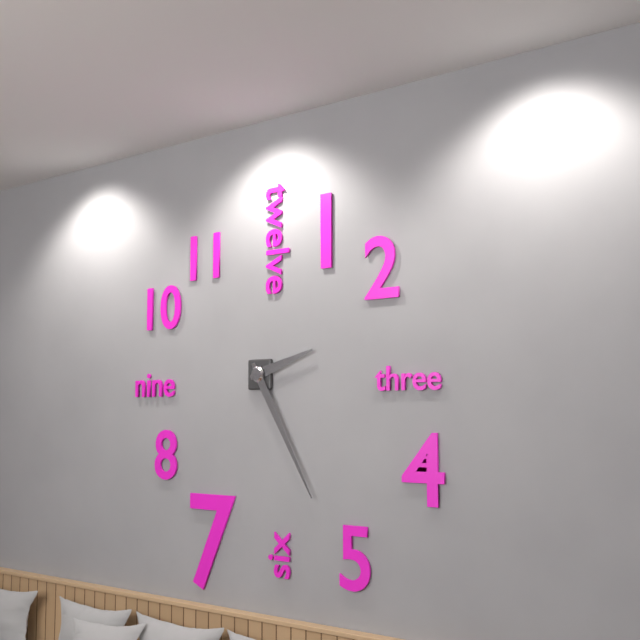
2:25
